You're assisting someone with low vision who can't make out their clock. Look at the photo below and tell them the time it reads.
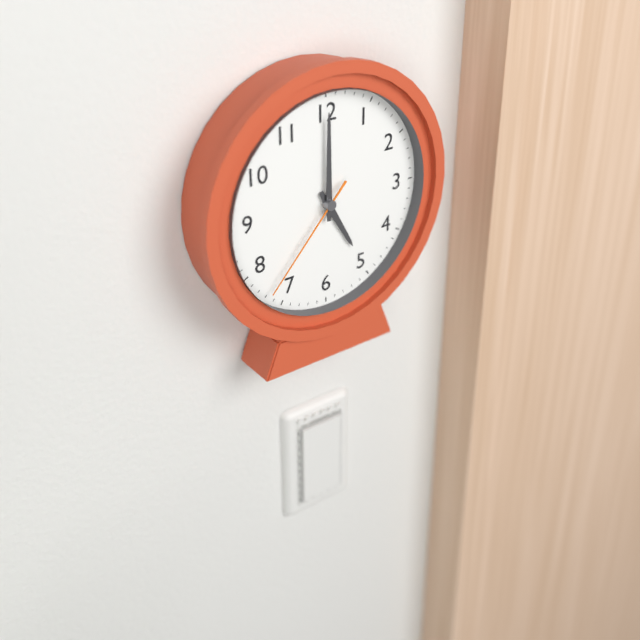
5:00:37
